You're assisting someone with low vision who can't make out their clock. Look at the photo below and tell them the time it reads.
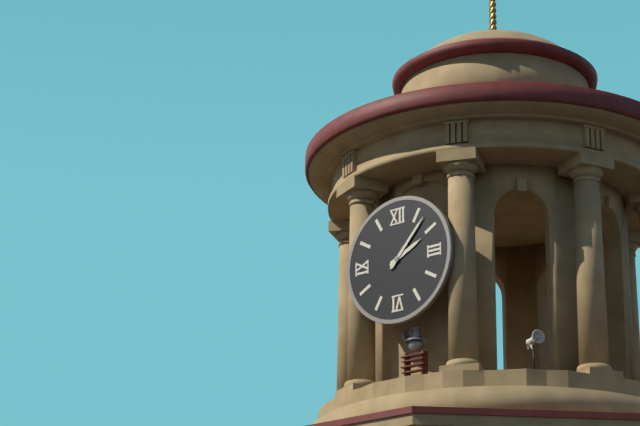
2:07
